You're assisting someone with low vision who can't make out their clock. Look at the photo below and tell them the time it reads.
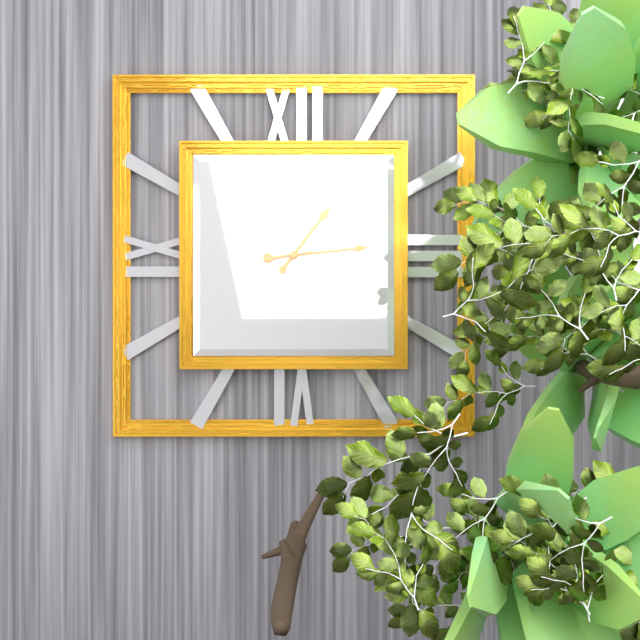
1:14:43
